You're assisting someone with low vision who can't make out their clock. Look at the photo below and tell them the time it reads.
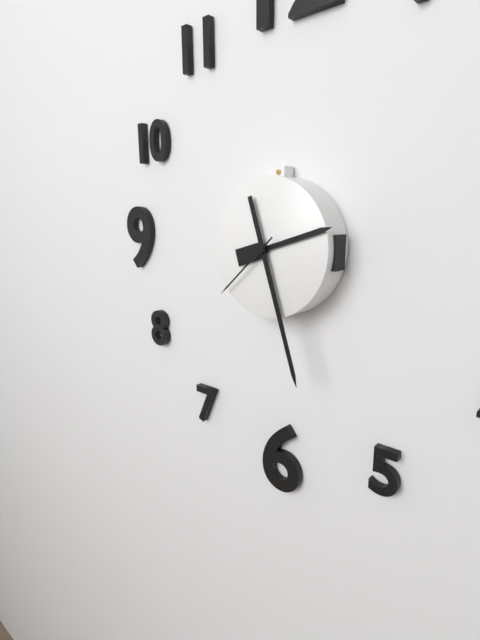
2:27:38
